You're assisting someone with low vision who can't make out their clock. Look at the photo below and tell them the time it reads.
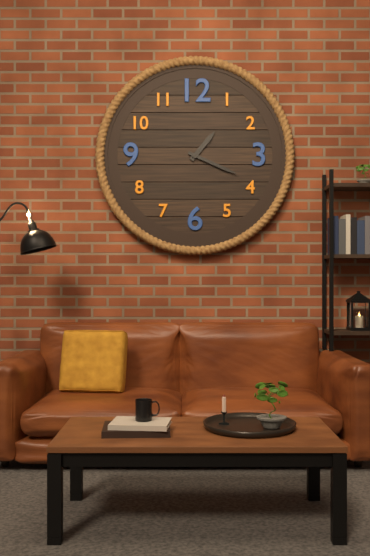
1:19
